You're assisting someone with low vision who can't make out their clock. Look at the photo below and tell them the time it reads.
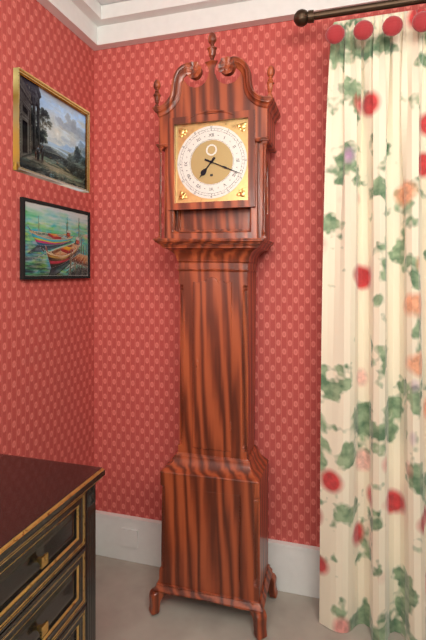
7:19
